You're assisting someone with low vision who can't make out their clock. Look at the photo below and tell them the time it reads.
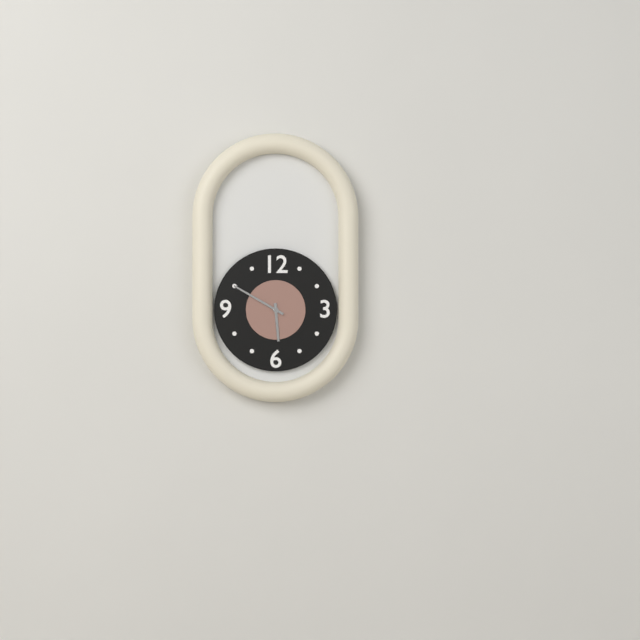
5:50
